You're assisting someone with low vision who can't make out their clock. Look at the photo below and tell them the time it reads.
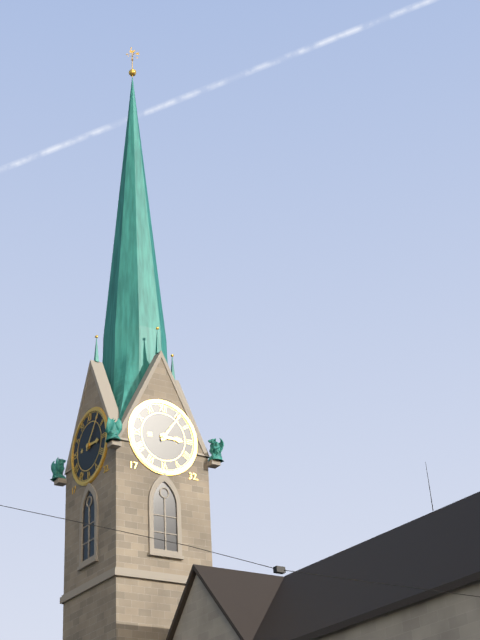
3:06
